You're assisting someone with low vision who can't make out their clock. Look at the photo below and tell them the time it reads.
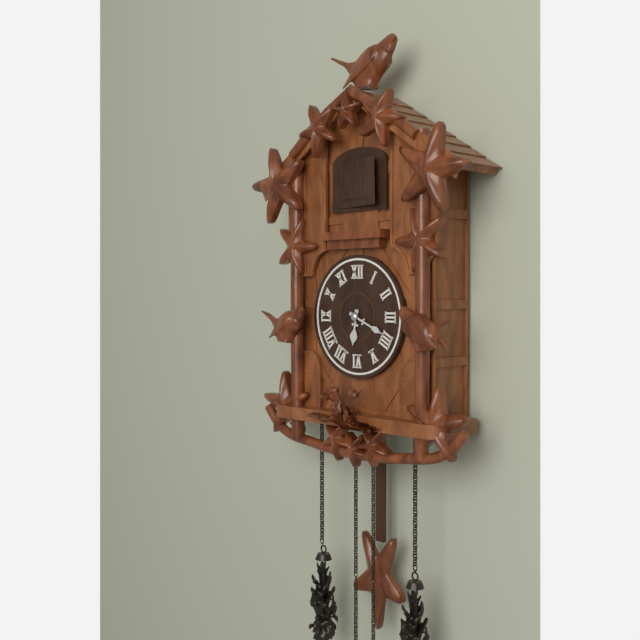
6:19
